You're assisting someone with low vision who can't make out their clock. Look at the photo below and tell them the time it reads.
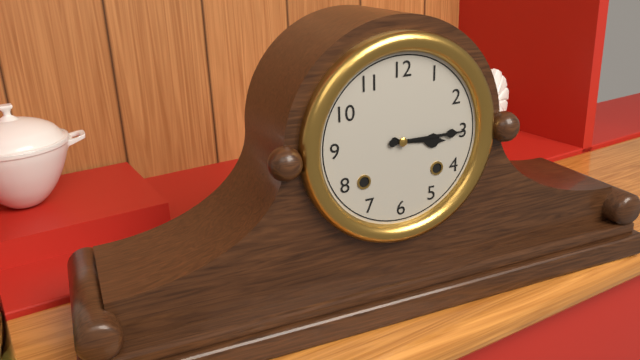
3:15
